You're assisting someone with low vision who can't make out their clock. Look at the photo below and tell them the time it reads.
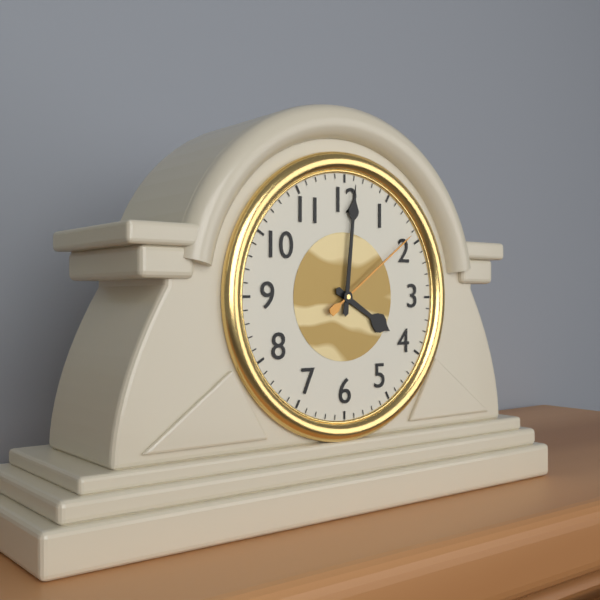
4:01:09
